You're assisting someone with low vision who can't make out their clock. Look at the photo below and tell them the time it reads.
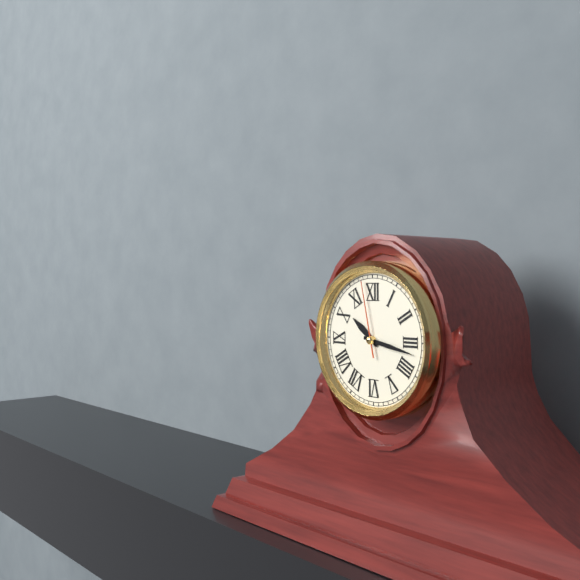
10:17:58
